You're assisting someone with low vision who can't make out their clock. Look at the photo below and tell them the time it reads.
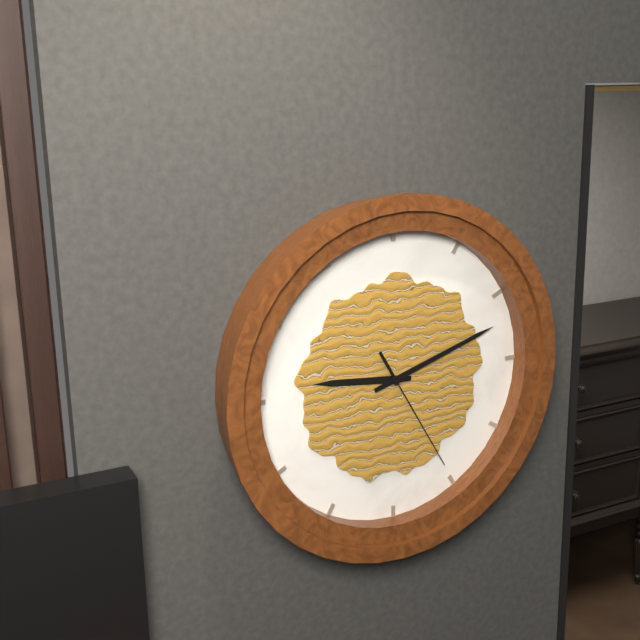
9:12:25
